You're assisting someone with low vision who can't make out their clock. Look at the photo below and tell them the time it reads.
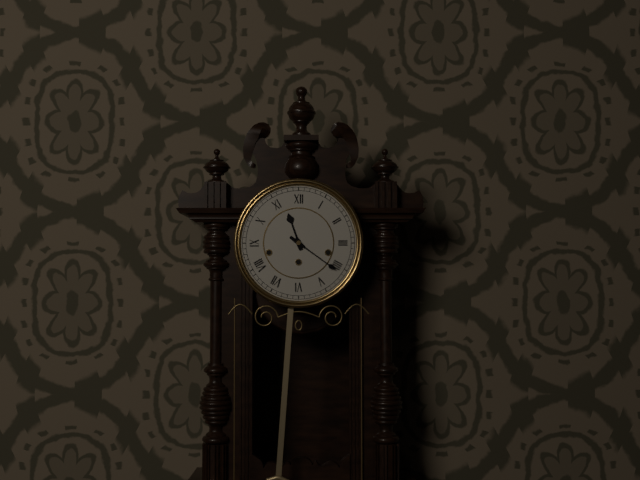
11:21
